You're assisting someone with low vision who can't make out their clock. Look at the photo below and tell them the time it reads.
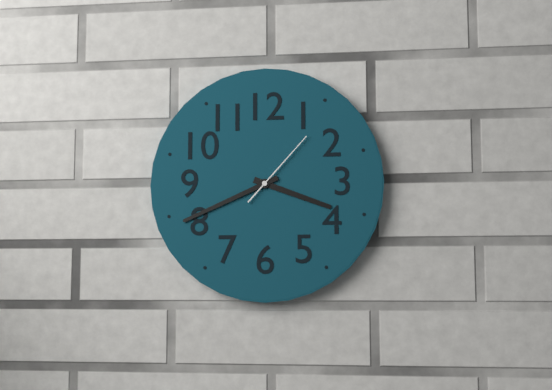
3:41:07
